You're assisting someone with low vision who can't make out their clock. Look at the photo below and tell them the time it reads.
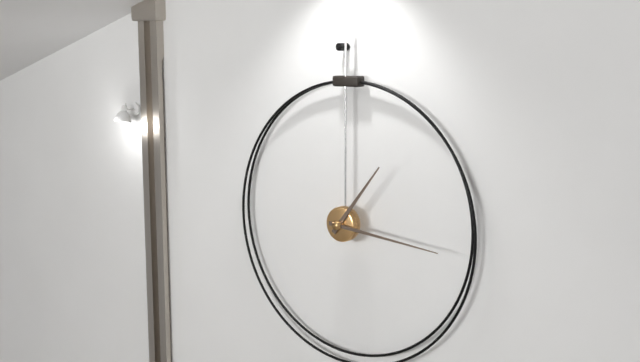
1:16
